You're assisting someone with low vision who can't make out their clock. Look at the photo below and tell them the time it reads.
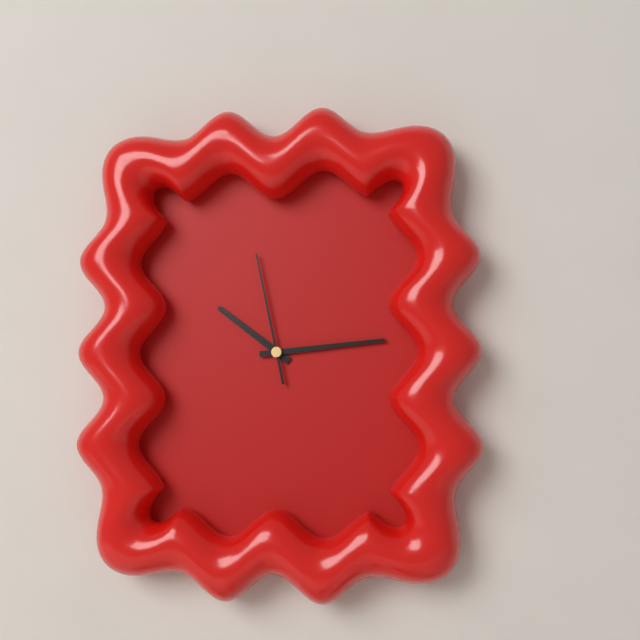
10:14:58
